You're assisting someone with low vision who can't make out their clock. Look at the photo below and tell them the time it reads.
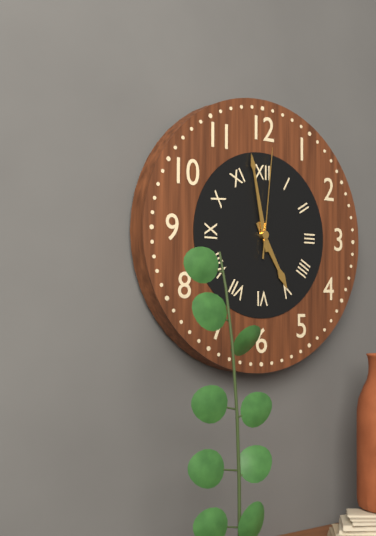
4:58:01
